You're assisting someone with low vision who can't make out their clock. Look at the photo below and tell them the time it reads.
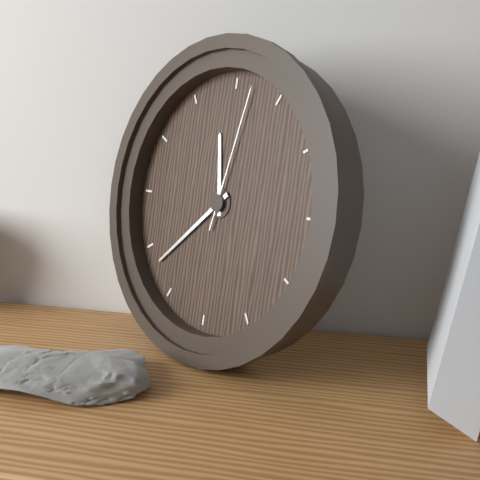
11:38:02
